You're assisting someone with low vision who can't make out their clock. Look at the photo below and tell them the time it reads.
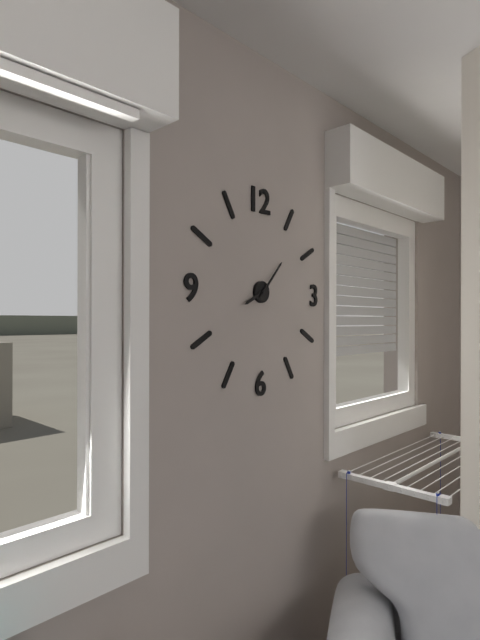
8:07
